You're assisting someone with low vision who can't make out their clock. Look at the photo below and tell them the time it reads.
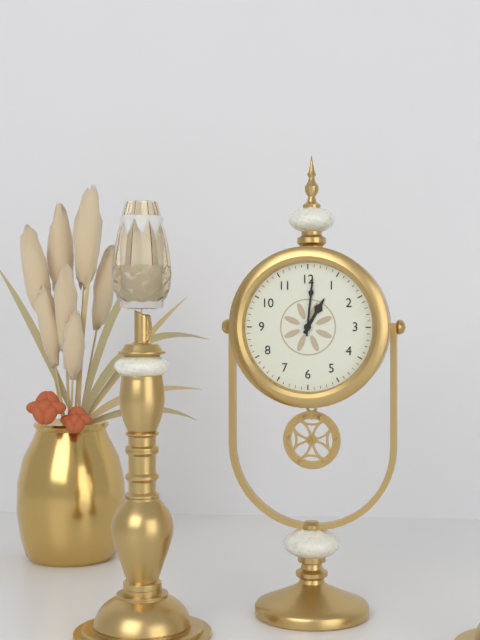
1:01
